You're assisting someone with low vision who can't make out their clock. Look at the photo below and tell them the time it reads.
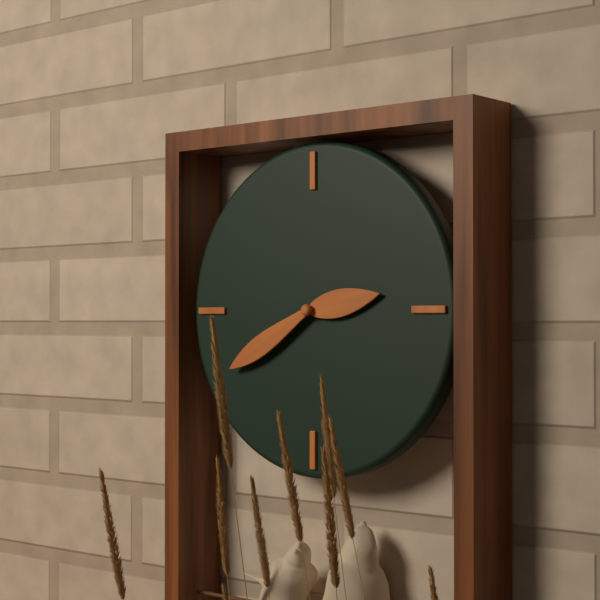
2:40
